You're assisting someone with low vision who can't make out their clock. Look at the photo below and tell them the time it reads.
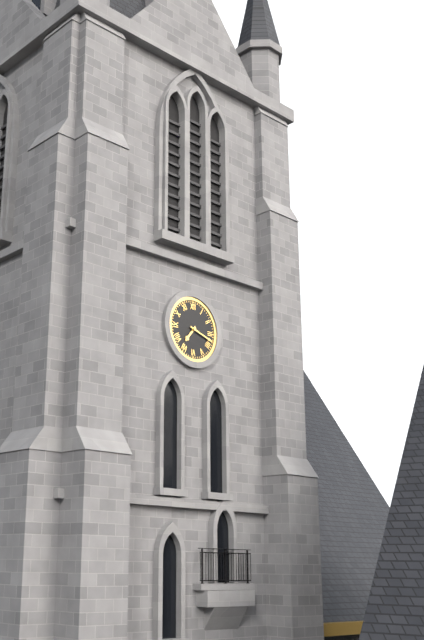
7:18
